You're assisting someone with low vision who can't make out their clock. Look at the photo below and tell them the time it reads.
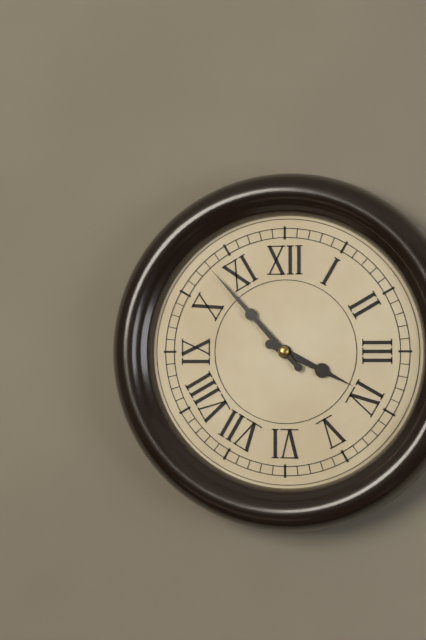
3:53
